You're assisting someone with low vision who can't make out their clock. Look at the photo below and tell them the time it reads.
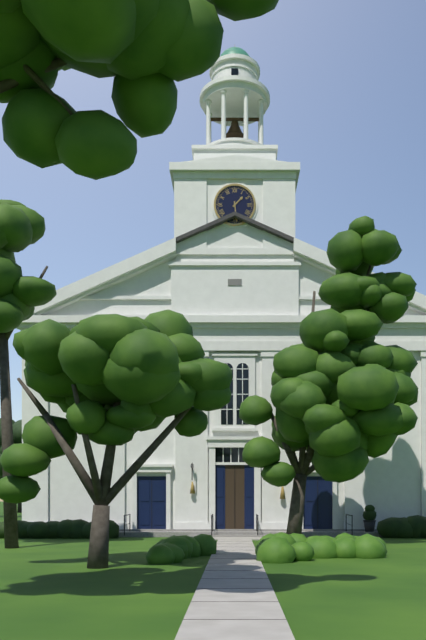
1:29
